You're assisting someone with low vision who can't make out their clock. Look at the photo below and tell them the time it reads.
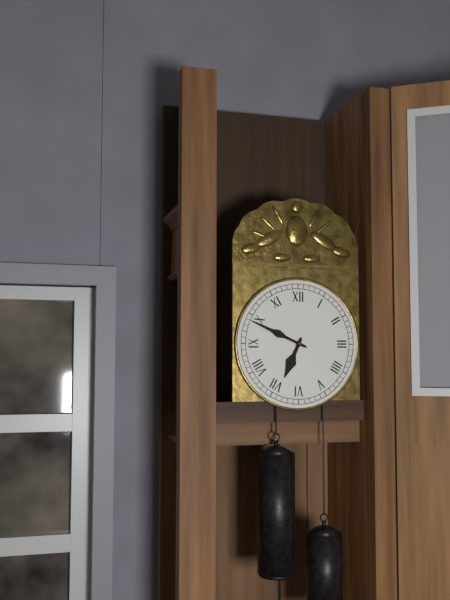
6:49
